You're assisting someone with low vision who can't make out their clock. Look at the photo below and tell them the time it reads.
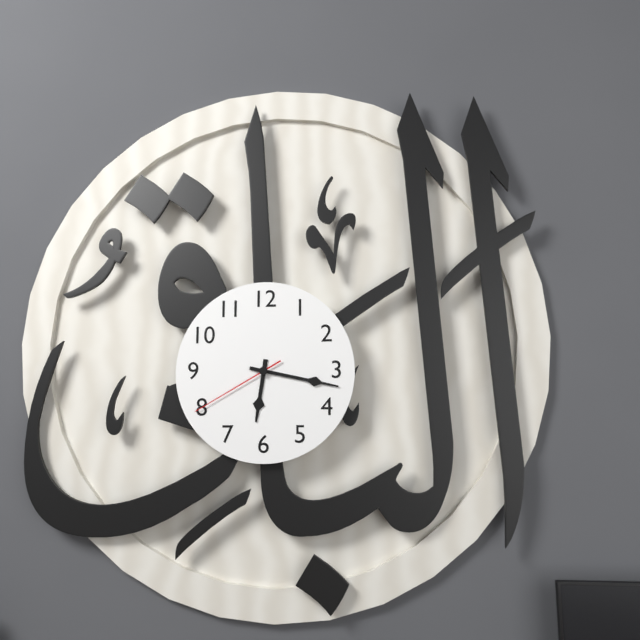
6:17:40
